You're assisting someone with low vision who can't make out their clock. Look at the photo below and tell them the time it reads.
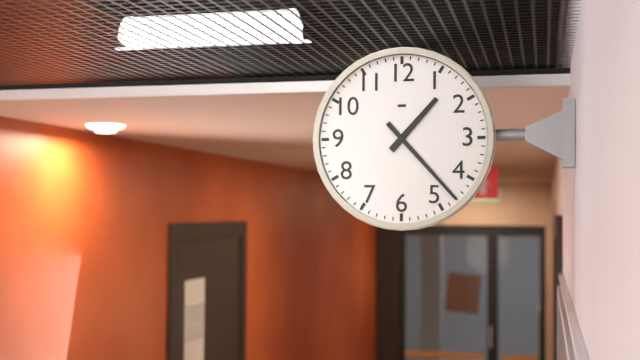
1:23
